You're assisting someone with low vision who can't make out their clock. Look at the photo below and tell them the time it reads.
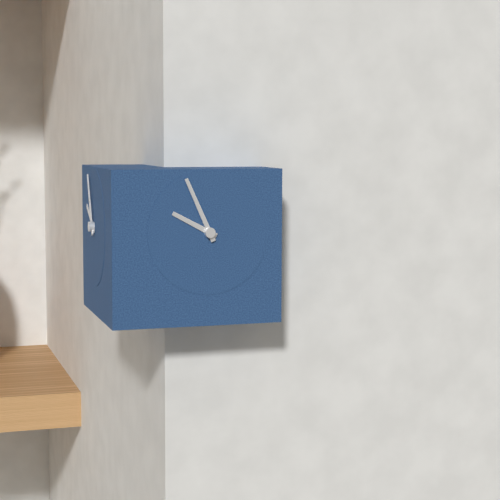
9:56
